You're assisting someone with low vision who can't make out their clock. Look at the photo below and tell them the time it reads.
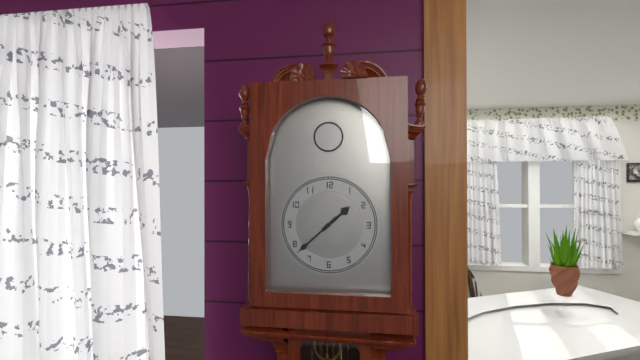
1:38
